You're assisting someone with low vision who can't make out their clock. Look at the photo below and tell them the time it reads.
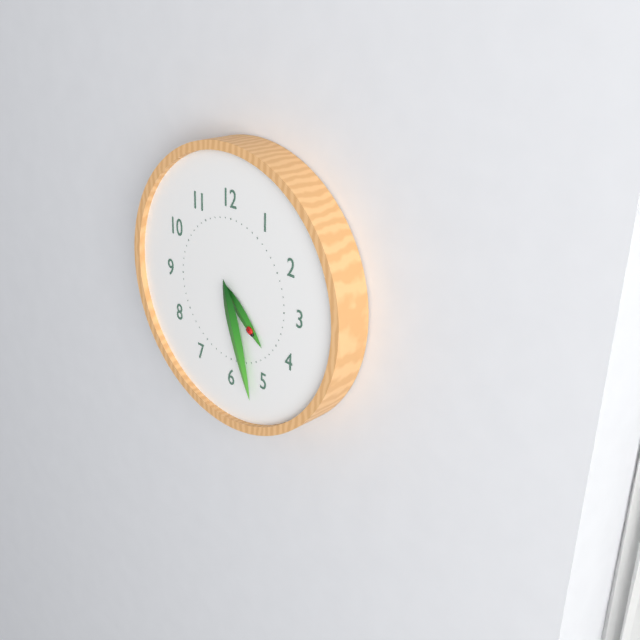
4:27
